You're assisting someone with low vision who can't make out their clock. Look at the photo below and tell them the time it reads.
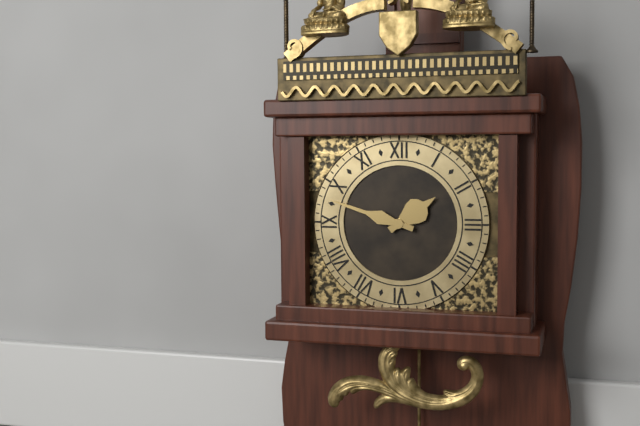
1:48
